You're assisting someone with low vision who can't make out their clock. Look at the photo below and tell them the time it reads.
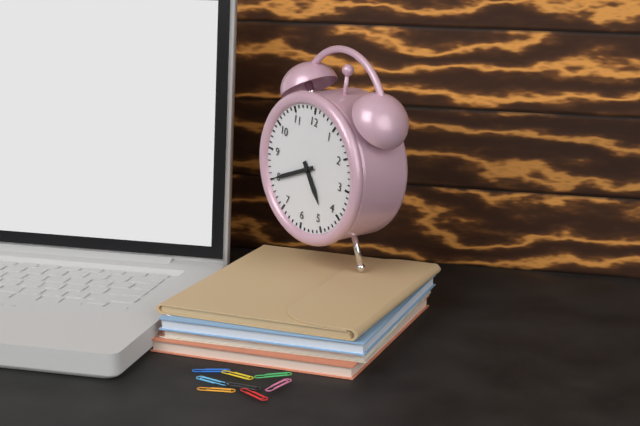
4:40
